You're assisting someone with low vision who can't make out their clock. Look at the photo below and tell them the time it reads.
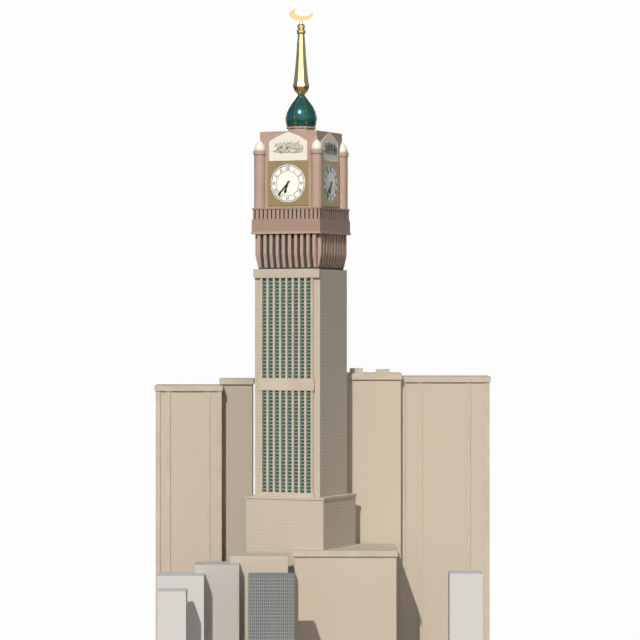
6:37
